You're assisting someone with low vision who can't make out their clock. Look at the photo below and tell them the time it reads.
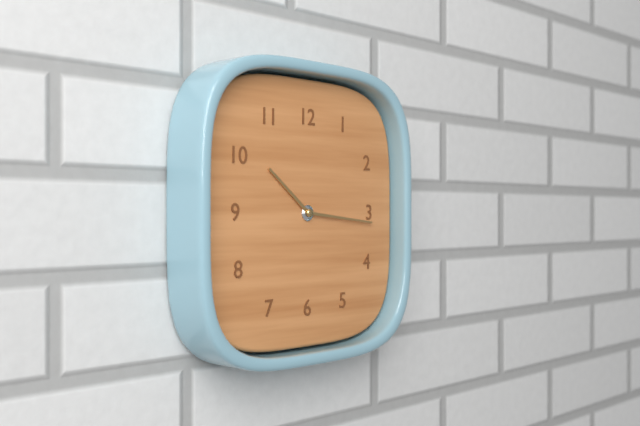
10:16
